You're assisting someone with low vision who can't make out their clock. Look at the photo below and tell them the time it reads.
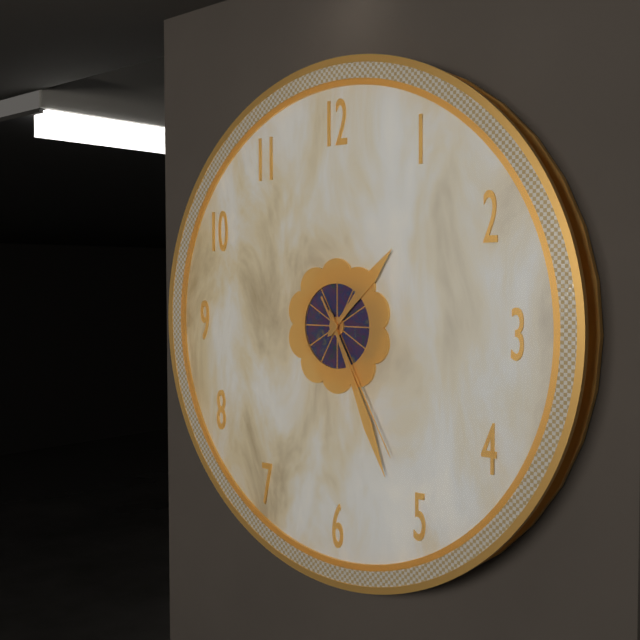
1:26:25
